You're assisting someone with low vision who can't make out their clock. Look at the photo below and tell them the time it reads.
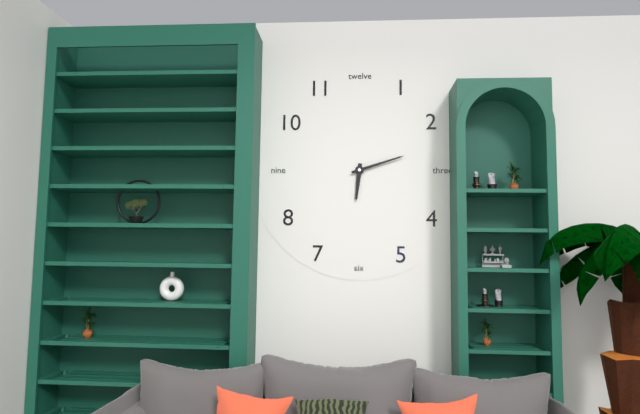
6:12
